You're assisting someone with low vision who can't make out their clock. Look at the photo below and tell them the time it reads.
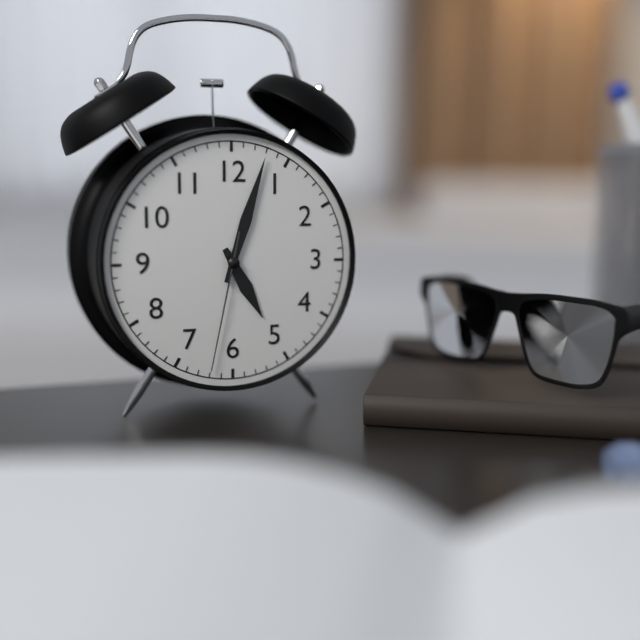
5:03:32
